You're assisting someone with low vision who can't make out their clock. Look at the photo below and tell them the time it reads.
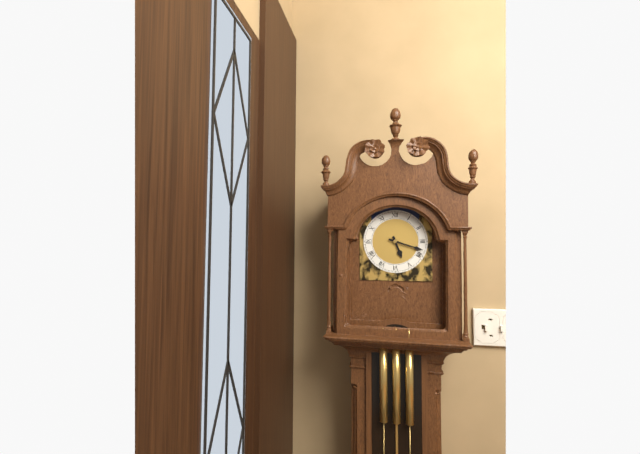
5:18
